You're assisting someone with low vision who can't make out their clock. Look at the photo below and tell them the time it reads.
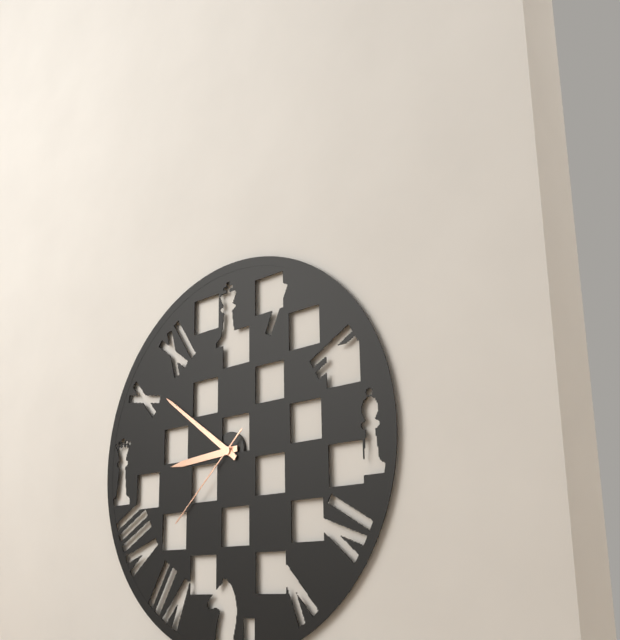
8:51:38
